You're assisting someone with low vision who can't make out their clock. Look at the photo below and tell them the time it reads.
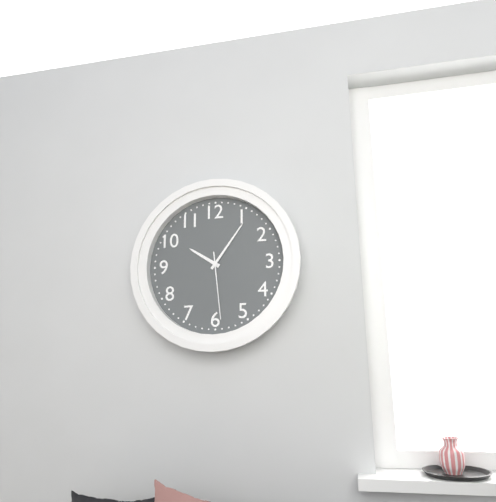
10:06:29
